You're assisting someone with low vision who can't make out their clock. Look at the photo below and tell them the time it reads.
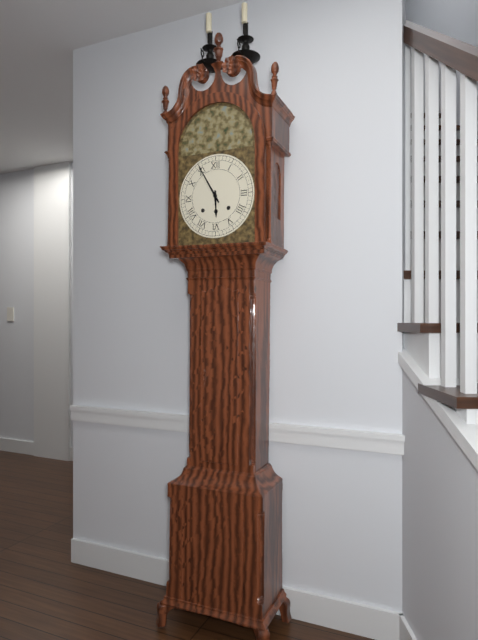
5:55
